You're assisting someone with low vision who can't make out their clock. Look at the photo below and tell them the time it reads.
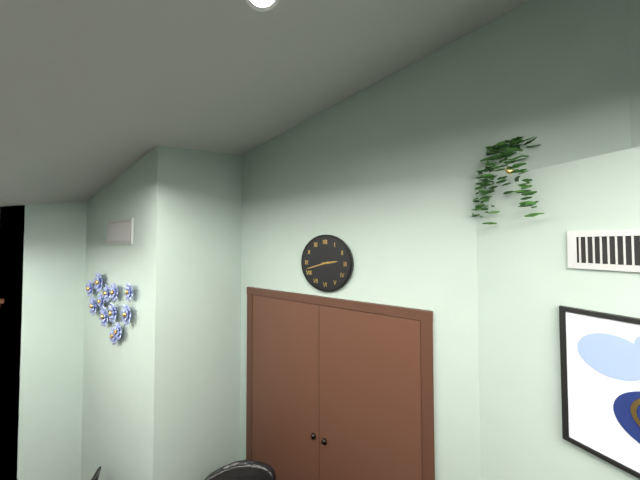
2:42
